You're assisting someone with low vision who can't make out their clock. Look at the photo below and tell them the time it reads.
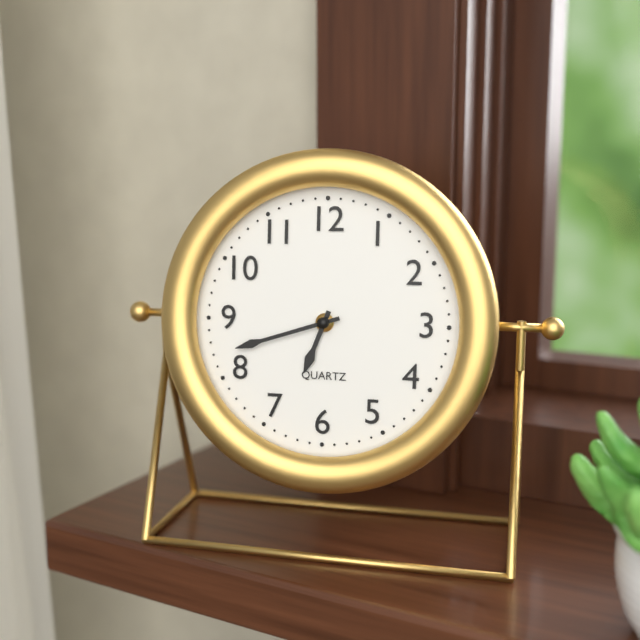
6:42
